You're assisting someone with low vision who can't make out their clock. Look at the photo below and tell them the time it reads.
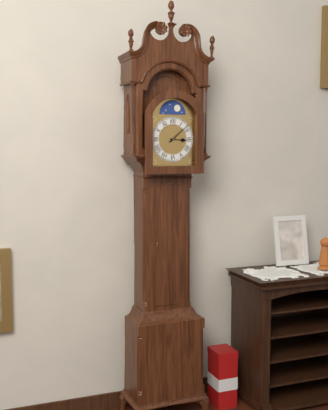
3:08
